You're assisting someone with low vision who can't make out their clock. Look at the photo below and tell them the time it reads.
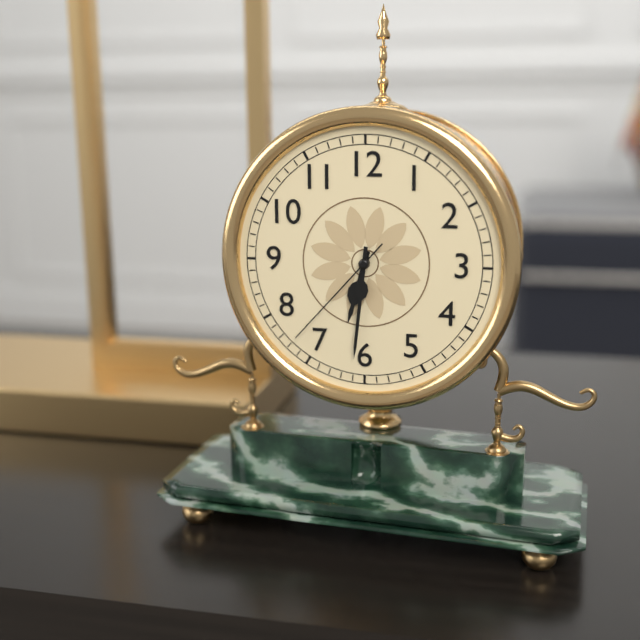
6:31:37
